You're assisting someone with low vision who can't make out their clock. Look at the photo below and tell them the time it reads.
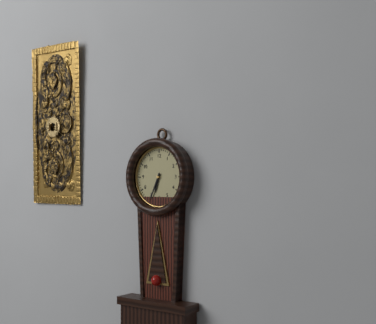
6:34
